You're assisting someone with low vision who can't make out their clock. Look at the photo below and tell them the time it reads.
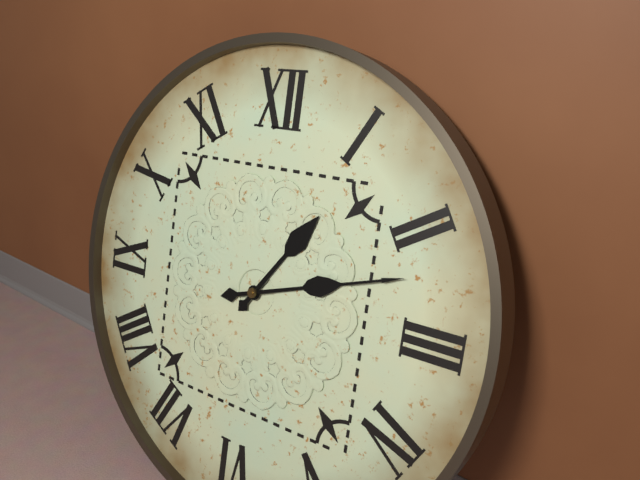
1:12
